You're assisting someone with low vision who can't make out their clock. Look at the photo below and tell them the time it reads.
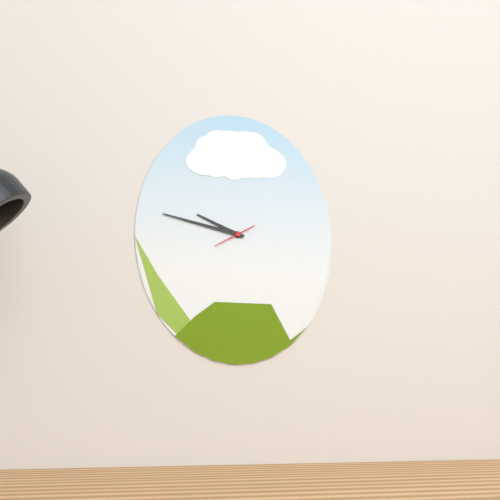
9:47
